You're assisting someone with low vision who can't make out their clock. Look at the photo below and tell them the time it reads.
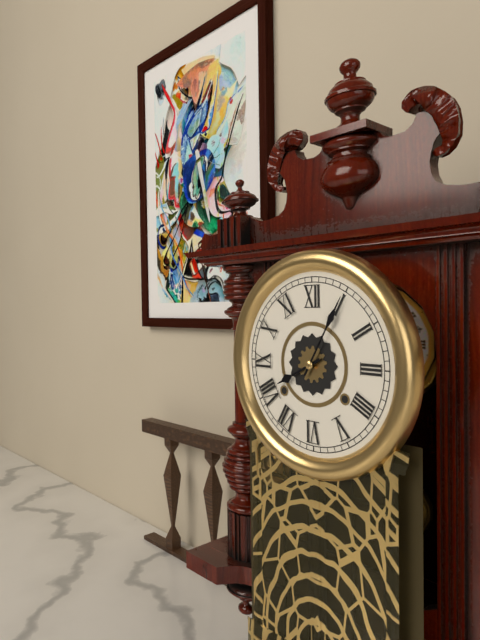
8:05
